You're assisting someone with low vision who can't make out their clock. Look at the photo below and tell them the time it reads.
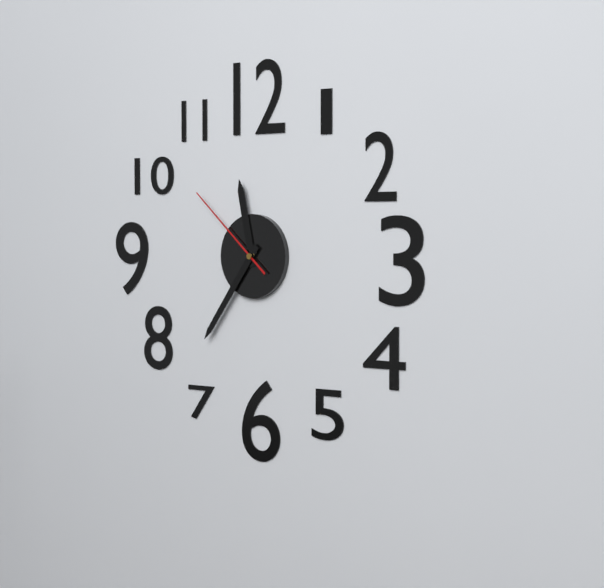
11:36:52
